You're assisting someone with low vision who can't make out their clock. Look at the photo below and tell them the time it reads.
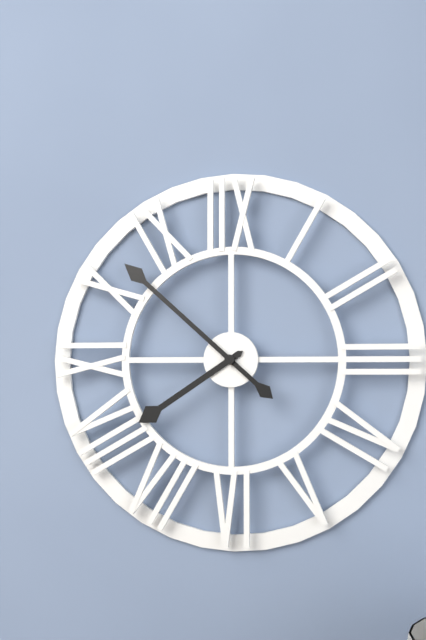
7:52
